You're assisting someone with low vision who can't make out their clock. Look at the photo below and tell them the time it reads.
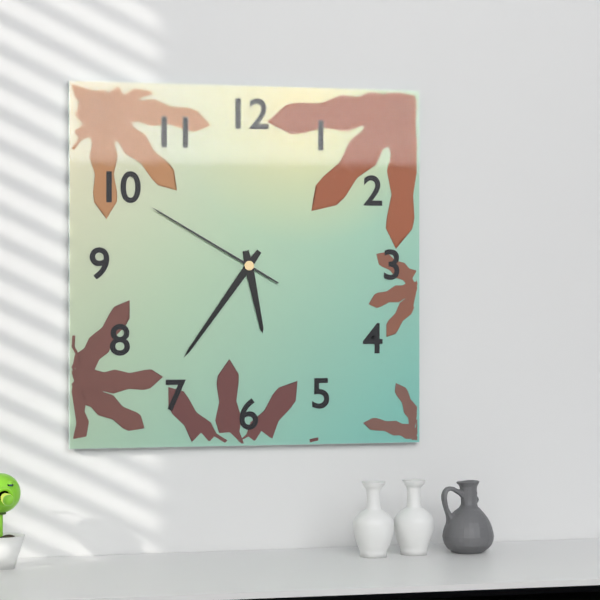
5:36:50
